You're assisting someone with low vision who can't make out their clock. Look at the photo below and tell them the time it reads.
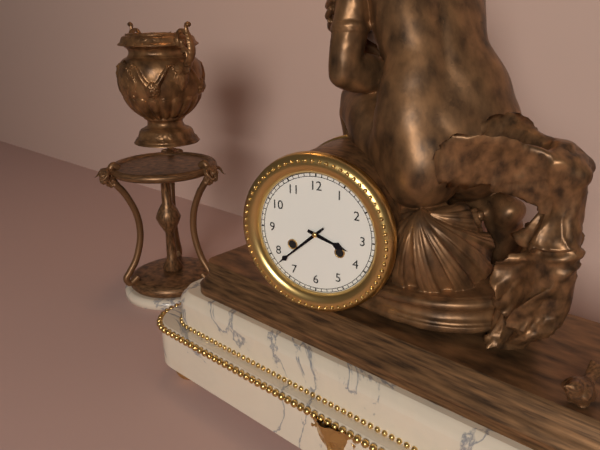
3:38
